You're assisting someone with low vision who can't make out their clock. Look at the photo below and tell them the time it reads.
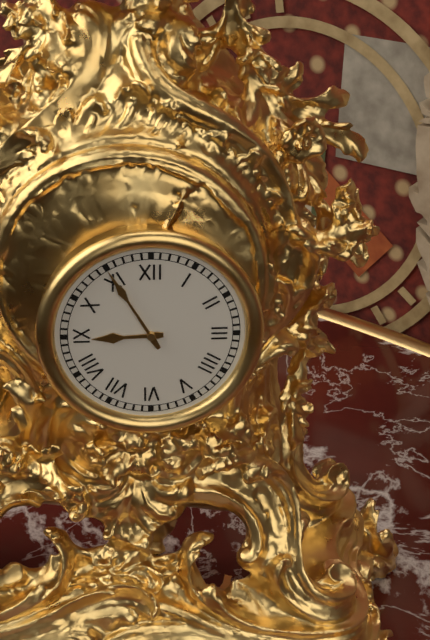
8:55
